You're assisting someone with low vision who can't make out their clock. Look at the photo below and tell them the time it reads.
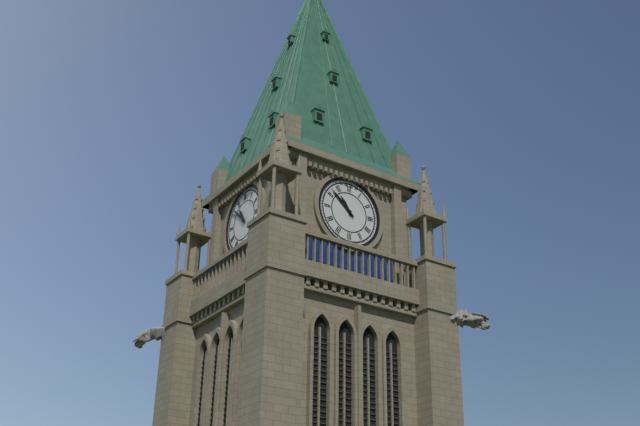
10:52
